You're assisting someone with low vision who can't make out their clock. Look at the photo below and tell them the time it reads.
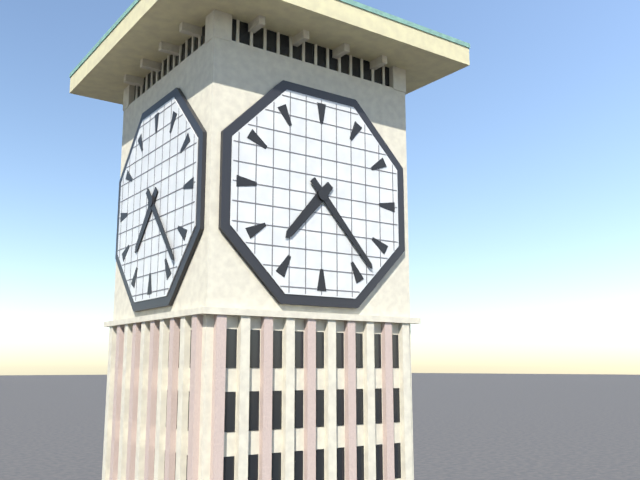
7:23
